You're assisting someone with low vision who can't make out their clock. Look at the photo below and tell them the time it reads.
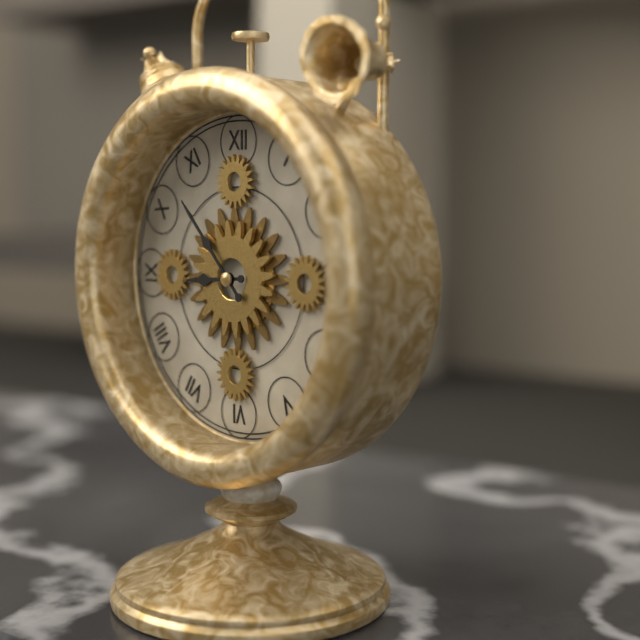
8:53
